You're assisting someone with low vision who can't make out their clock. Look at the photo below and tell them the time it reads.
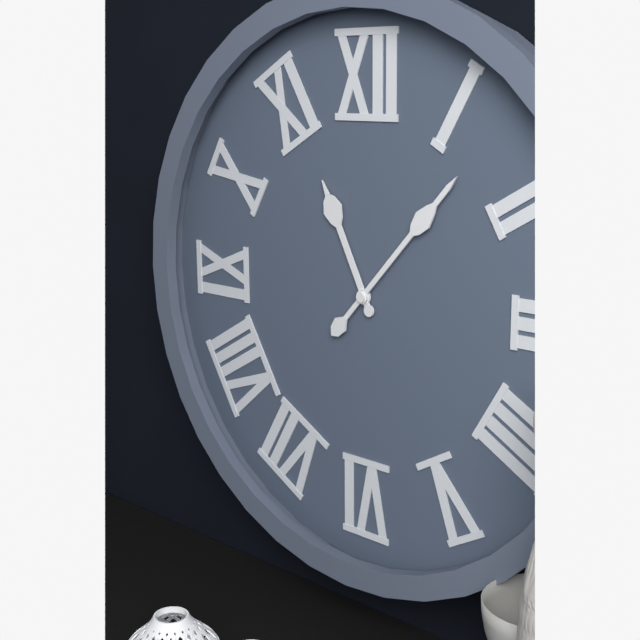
11:07
